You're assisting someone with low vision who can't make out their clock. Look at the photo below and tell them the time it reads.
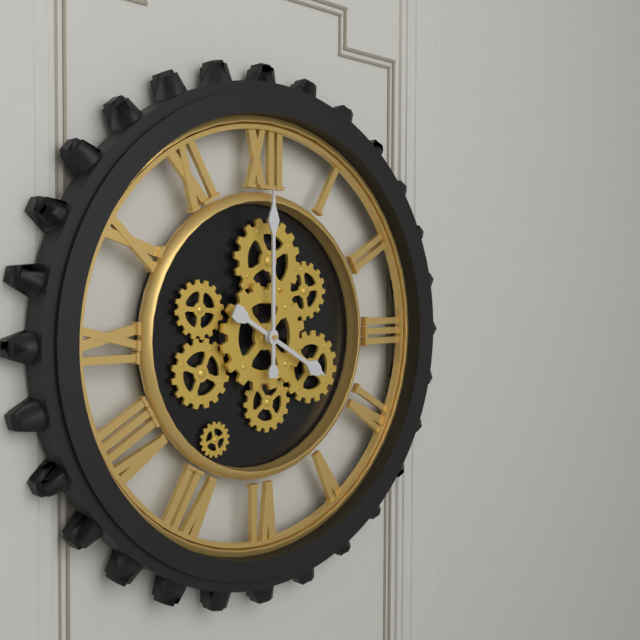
4:00
